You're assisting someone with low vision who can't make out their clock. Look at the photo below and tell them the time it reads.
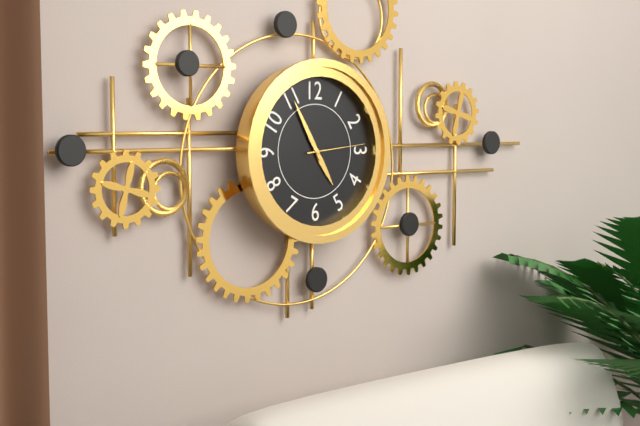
4:55:14
